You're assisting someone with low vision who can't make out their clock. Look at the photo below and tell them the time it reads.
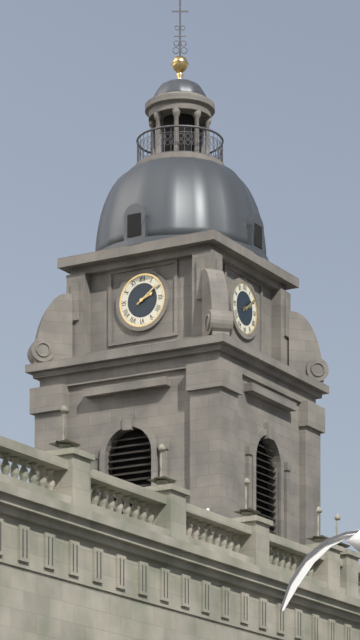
2:09
